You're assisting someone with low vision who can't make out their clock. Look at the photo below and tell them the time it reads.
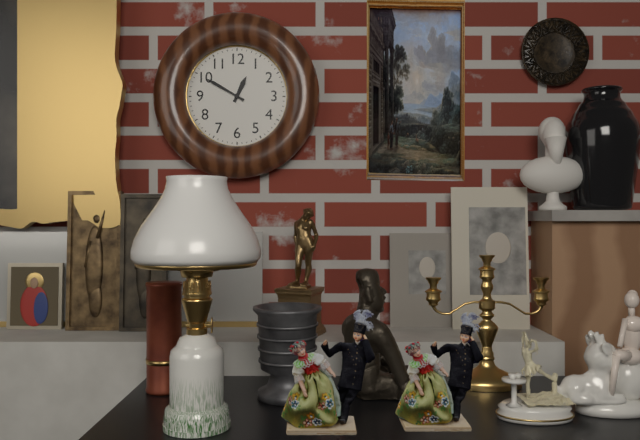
12:50
